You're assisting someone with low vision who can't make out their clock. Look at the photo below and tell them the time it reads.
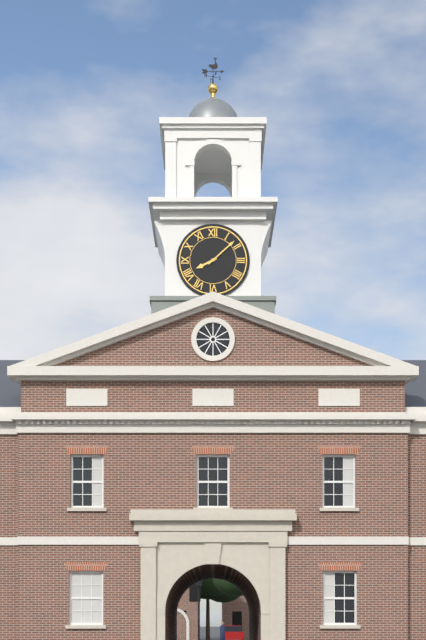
8:08
